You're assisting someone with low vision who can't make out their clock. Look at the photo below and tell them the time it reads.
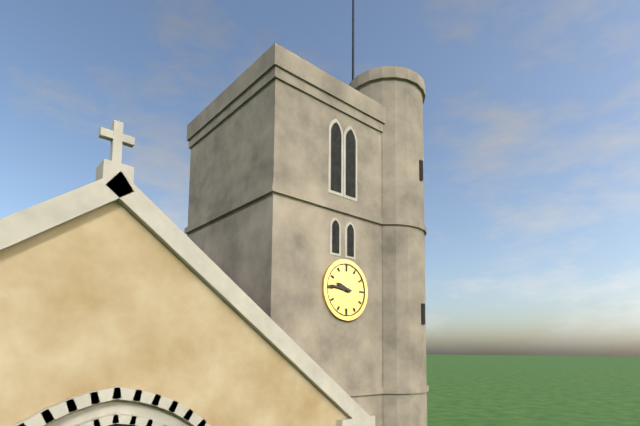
9:46
